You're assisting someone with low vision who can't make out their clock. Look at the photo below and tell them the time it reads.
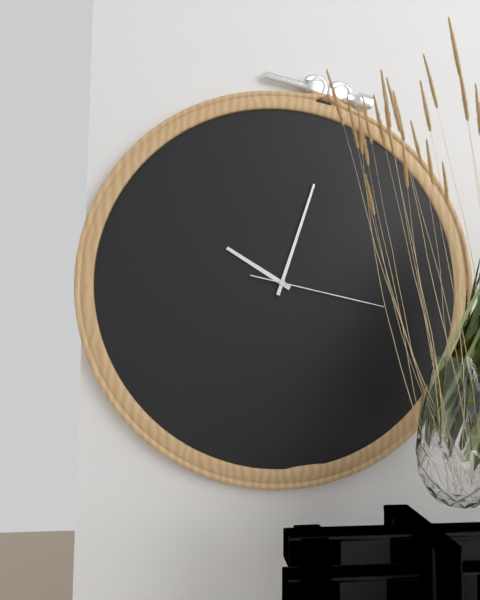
10:03:17
